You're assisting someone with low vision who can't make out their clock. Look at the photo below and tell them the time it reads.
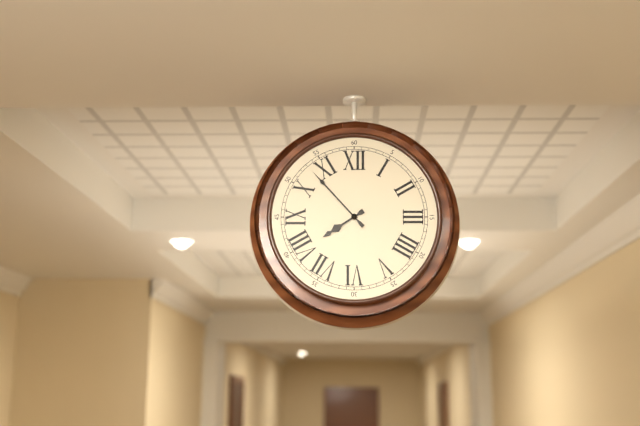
7:53
